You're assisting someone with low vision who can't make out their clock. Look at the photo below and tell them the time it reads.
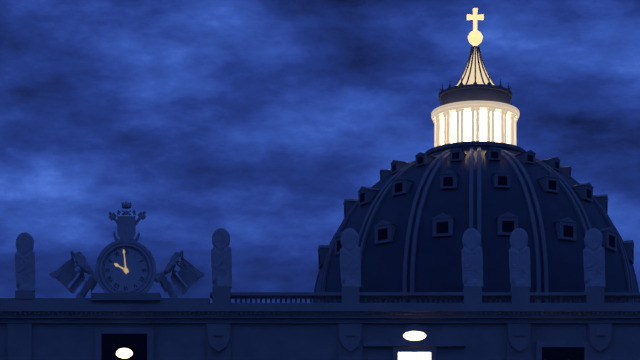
9:59
